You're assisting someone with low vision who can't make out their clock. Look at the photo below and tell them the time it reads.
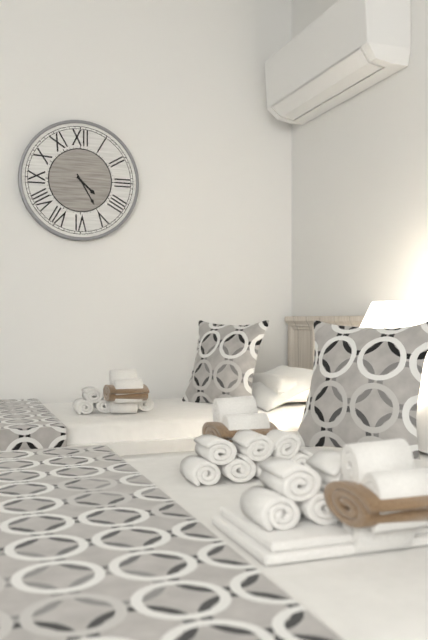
4:25
